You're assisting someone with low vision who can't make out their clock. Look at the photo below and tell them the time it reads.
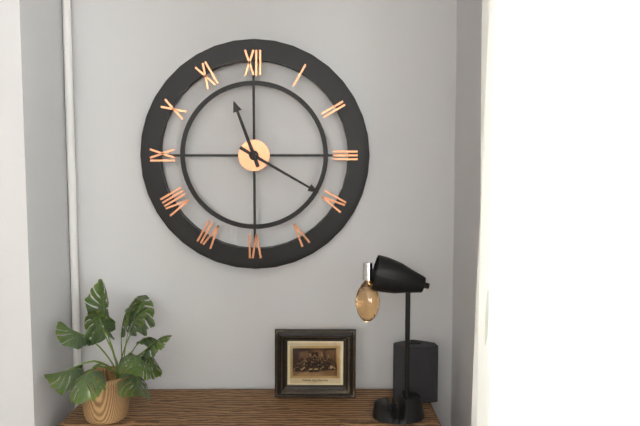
11:20
